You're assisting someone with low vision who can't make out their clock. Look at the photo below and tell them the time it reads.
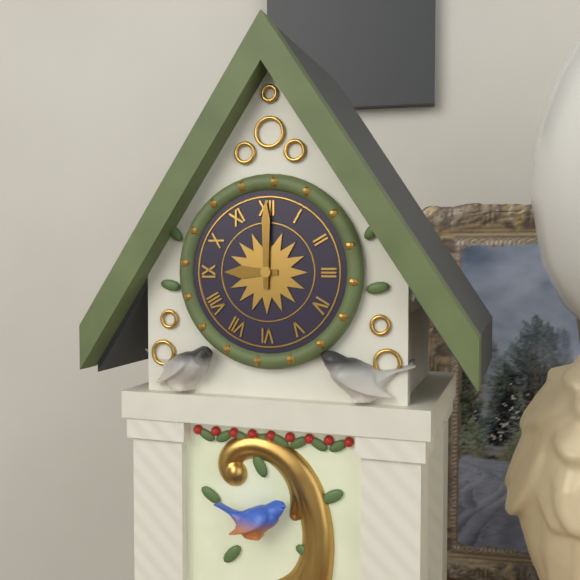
9:00
